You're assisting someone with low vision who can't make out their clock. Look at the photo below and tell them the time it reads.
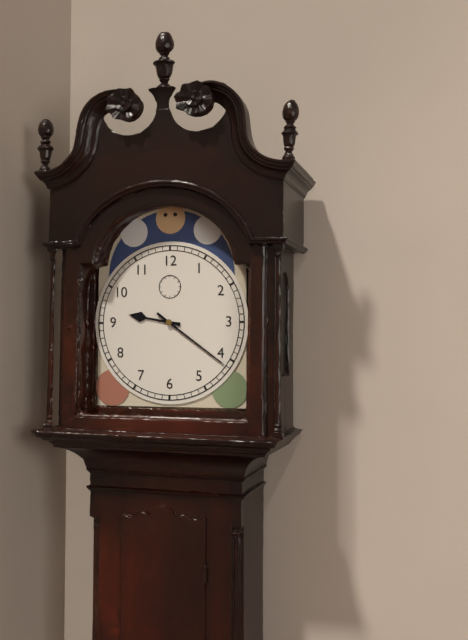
9:21
